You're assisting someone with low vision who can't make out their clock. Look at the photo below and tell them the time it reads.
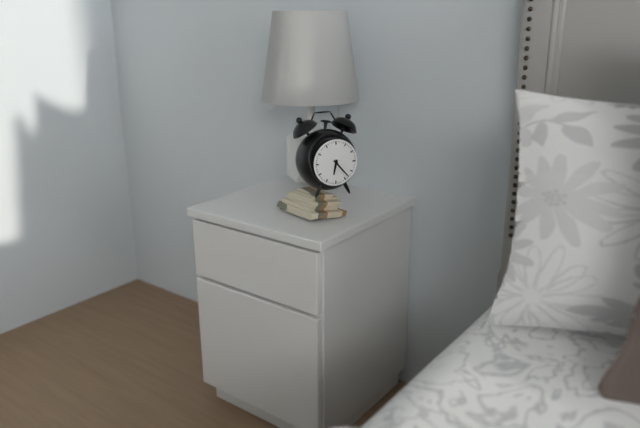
6:23
